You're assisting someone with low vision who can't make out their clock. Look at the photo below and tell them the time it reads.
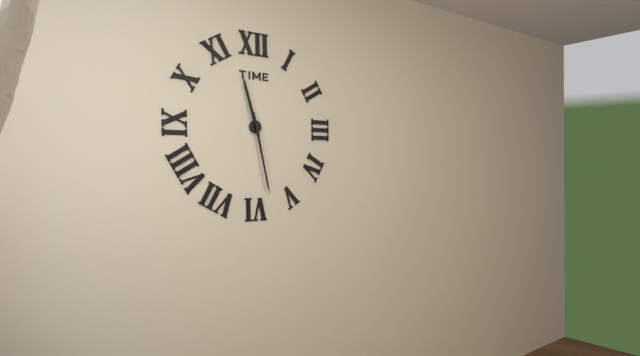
11:28
